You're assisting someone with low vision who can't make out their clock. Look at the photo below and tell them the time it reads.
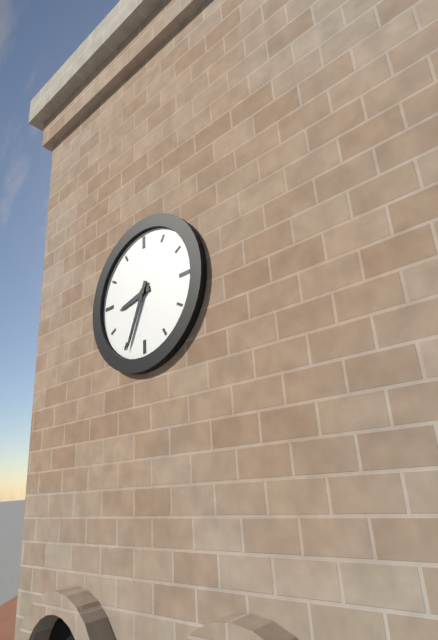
8:34
